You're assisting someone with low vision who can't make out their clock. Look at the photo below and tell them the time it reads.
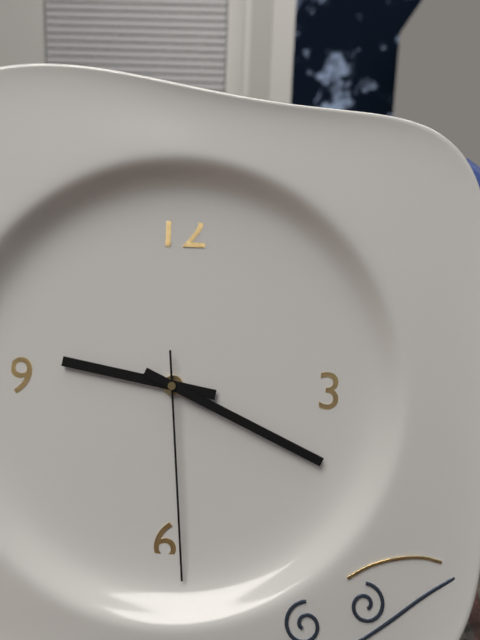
9:19:29
